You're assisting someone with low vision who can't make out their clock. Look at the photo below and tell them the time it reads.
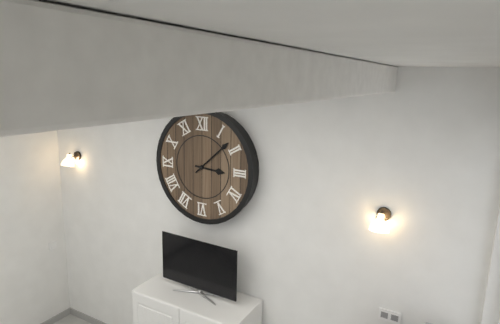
3:08
